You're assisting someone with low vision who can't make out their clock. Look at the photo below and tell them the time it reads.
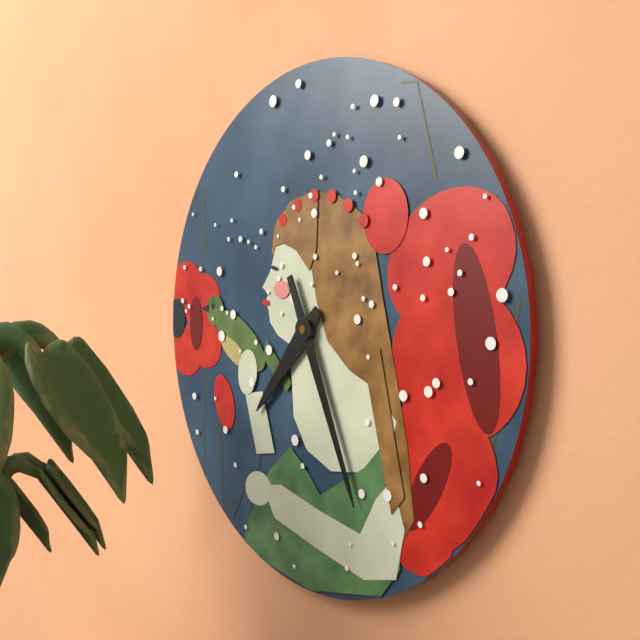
7:26
